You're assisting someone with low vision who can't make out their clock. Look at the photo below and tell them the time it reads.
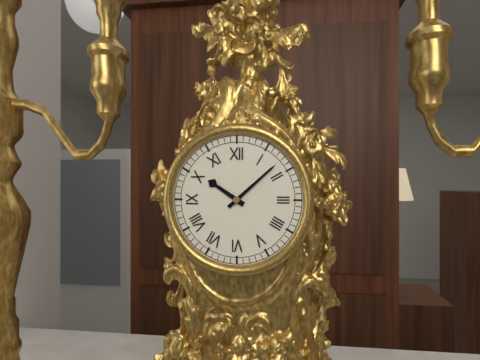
10:08
